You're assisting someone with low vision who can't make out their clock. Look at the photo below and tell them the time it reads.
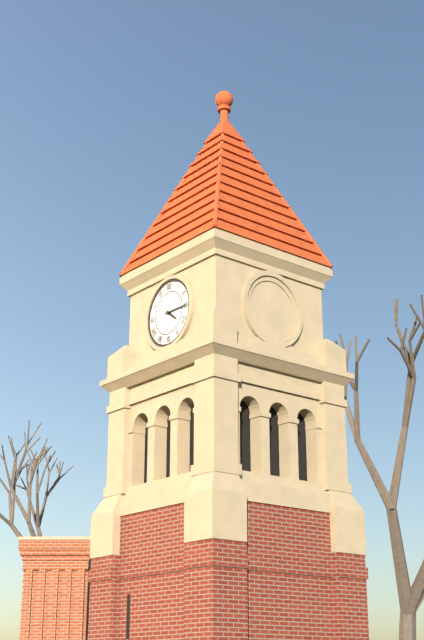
4:15
